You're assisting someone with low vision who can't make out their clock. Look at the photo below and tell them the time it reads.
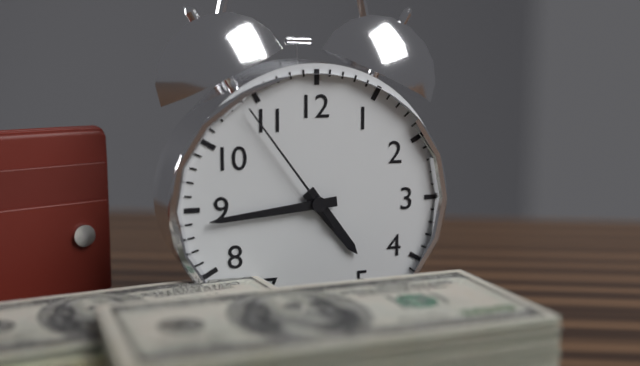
4:44:54
